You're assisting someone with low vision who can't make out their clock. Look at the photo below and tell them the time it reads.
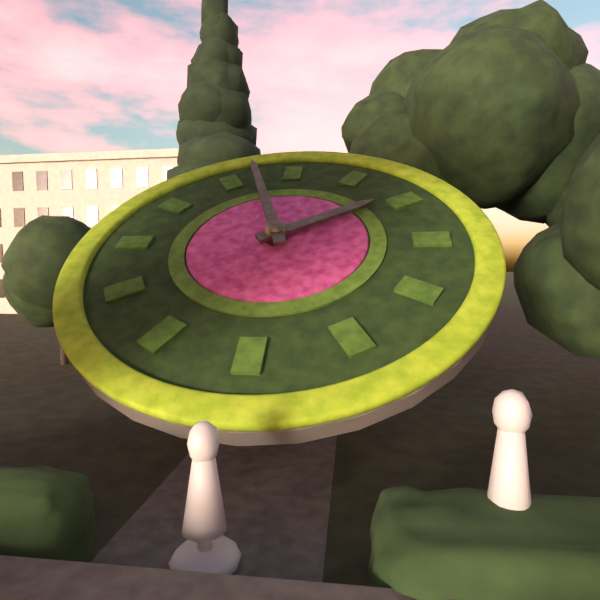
1:57
